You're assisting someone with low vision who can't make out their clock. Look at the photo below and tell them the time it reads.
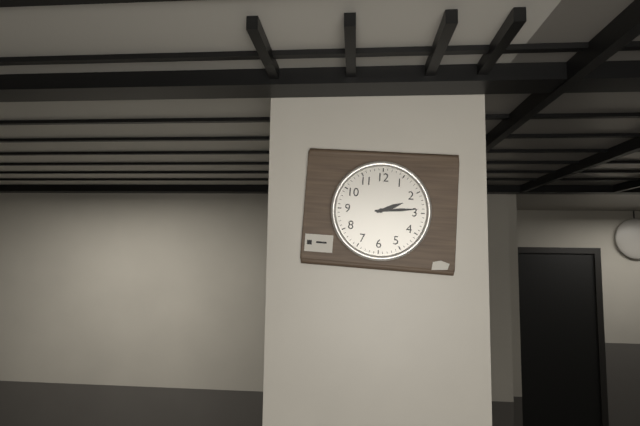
2:14
